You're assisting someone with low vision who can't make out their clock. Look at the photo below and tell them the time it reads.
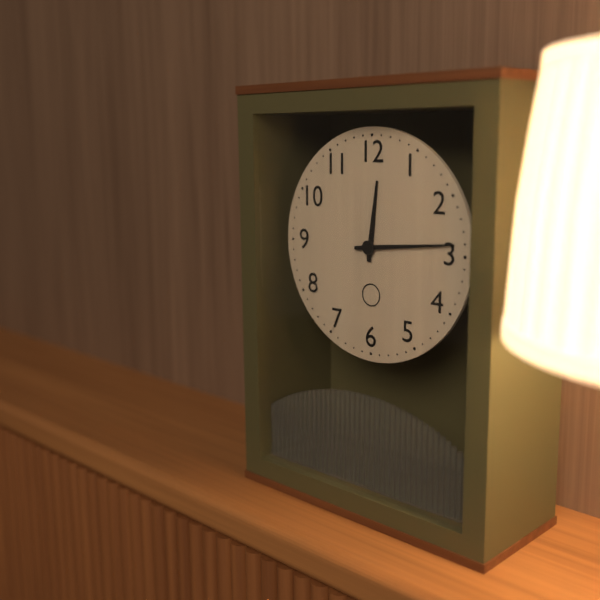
12:14
